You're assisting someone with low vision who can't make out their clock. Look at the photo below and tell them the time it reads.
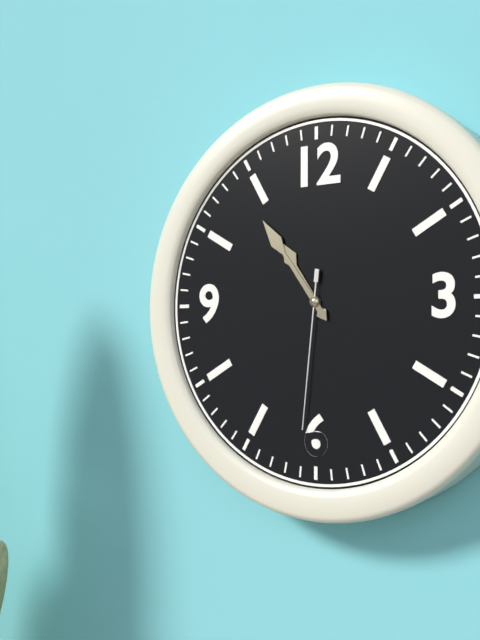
10:54:31
